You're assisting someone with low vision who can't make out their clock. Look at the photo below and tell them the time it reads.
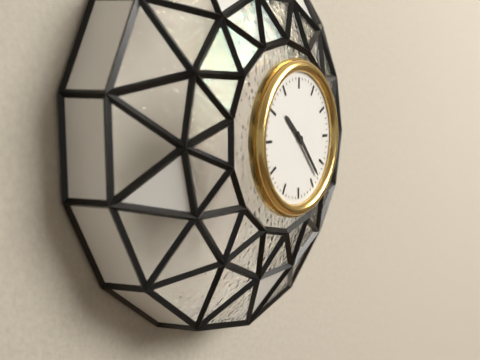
10:23
